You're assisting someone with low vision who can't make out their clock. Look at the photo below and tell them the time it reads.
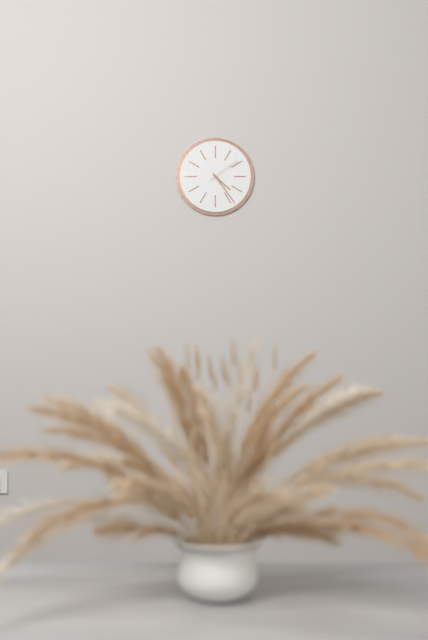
4:24
